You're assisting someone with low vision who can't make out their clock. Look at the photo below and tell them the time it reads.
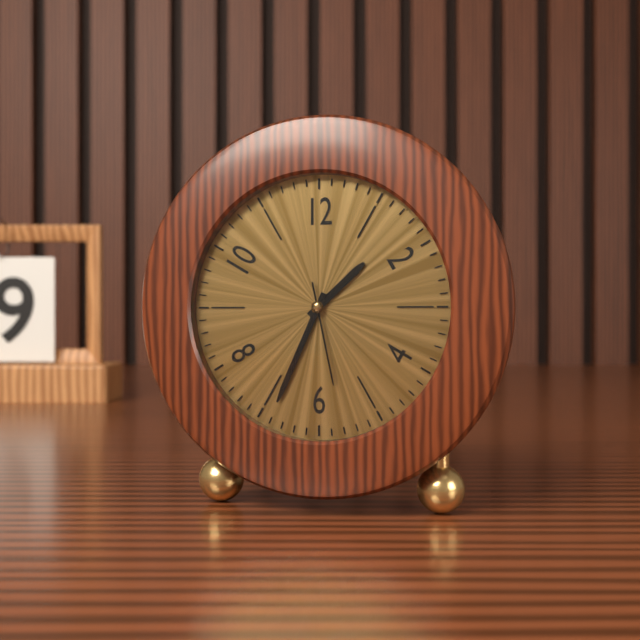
1:34:28
